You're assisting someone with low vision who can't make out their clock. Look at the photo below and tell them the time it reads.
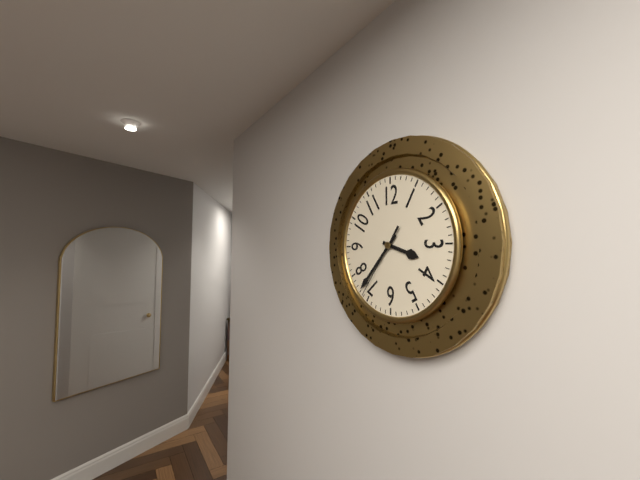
3:37:36
